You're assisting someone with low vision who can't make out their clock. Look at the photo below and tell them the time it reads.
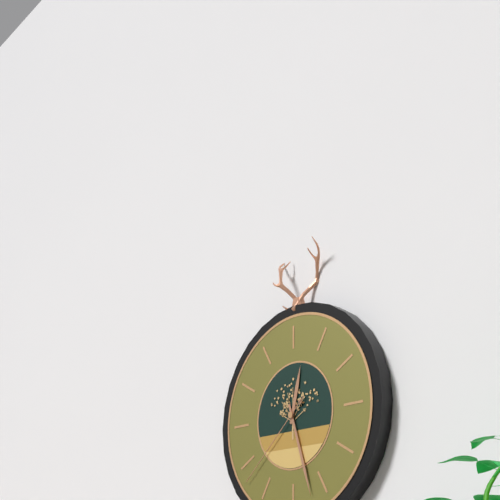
12:27:38
